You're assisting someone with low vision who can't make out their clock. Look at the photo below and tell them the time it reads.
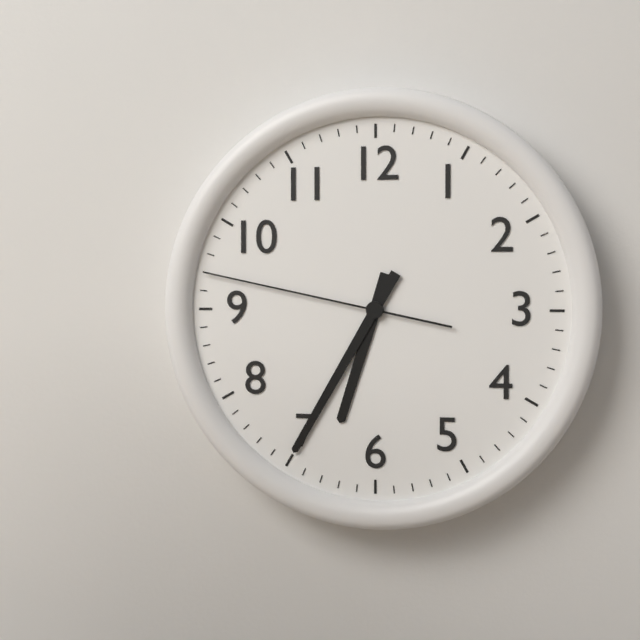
6:35:47
